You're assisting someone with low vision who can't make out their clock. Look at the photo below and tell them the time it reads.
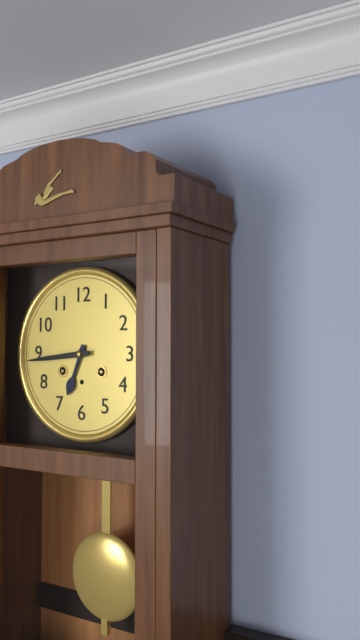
6:44
